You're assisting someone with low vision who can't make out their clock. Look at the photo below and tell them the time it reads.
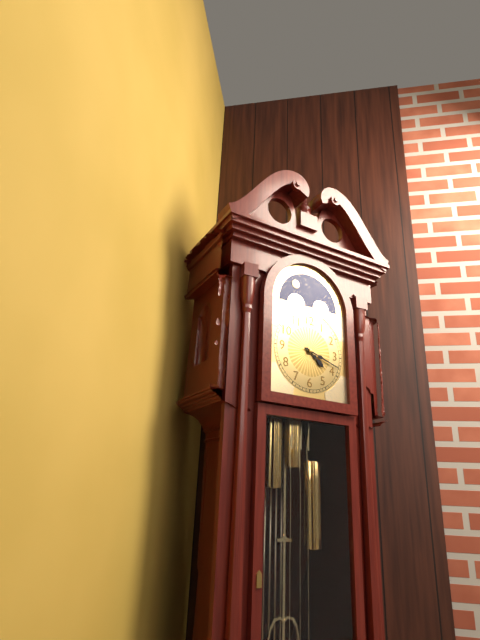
4:18
